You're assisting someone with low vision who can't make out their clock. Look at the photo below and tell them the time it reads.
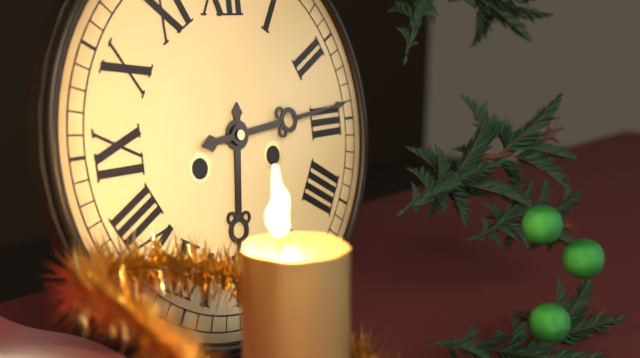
6:14
